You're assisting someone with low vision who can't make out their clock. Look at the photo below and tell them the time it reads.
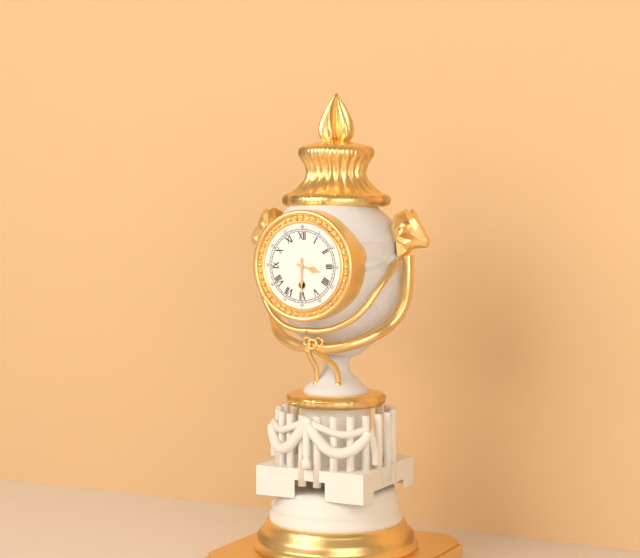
3:30
